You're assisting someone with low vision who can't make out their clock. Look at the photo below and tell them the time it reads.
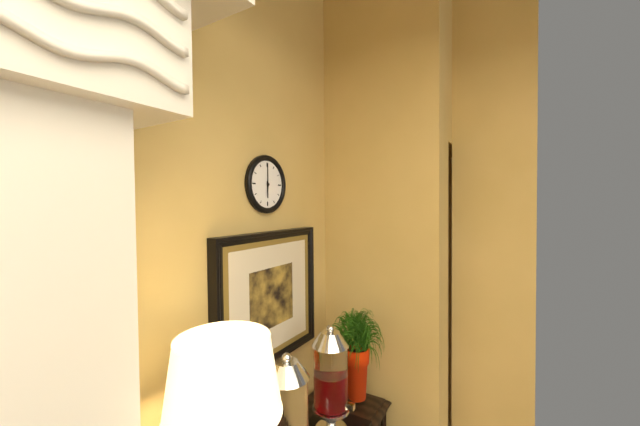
6:00
